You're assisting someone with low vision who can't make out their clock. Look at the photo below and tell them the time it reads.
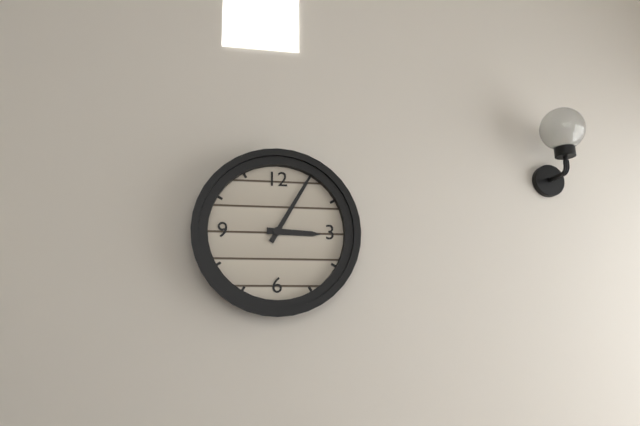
3:05
